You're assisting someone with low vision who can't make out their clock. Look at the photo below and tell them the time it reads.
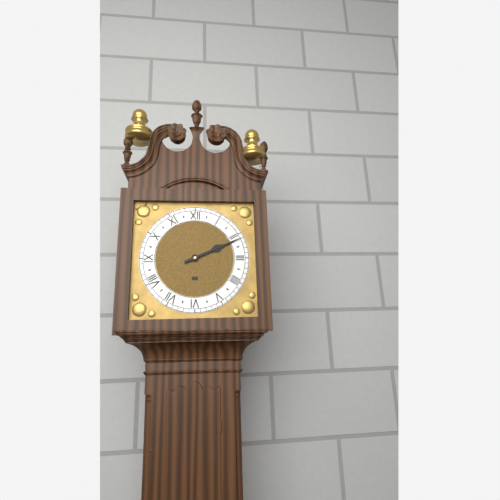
2:11
